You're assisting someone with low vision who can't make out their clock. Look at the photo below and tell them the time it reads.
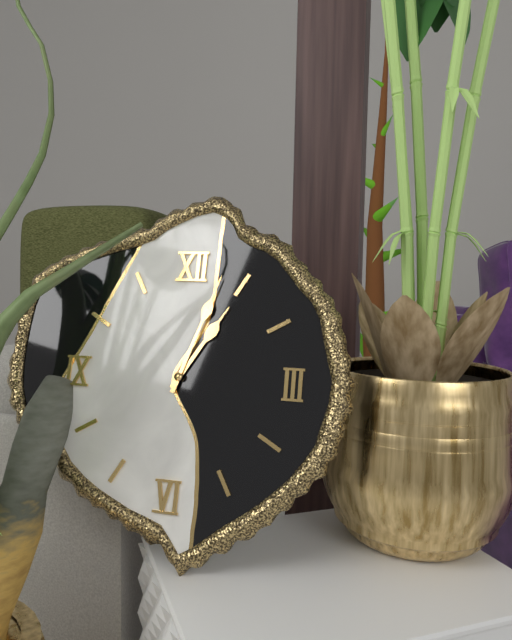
1:03
